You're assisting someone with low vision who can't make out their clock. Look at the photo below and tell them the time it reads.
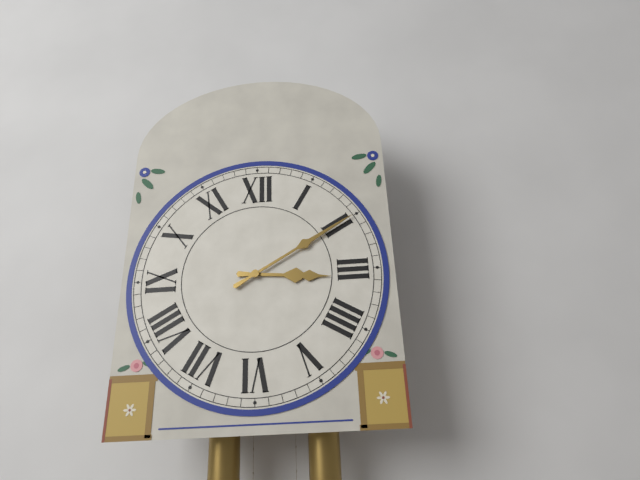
3:10
